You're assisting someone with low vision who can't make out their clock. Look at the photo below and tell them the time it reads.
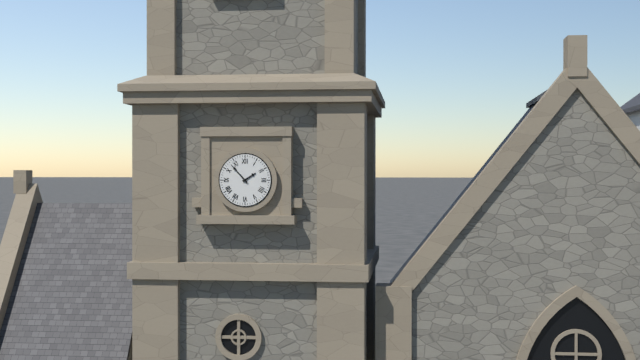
1:53
